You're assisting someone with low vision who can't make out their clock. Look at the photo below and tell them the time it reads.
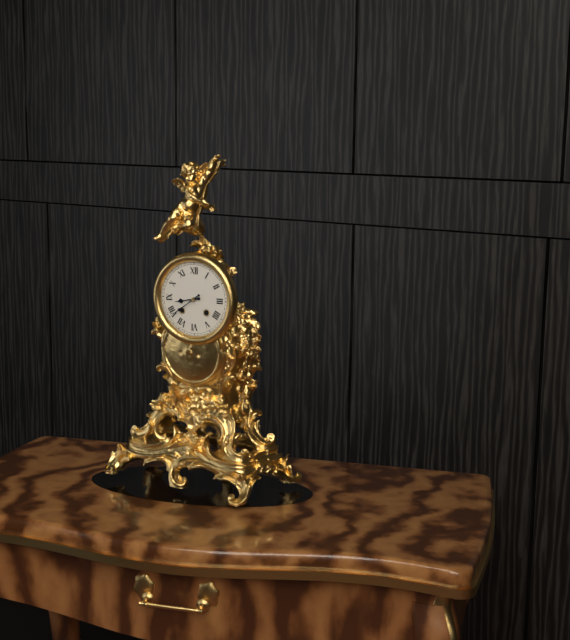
8:39
